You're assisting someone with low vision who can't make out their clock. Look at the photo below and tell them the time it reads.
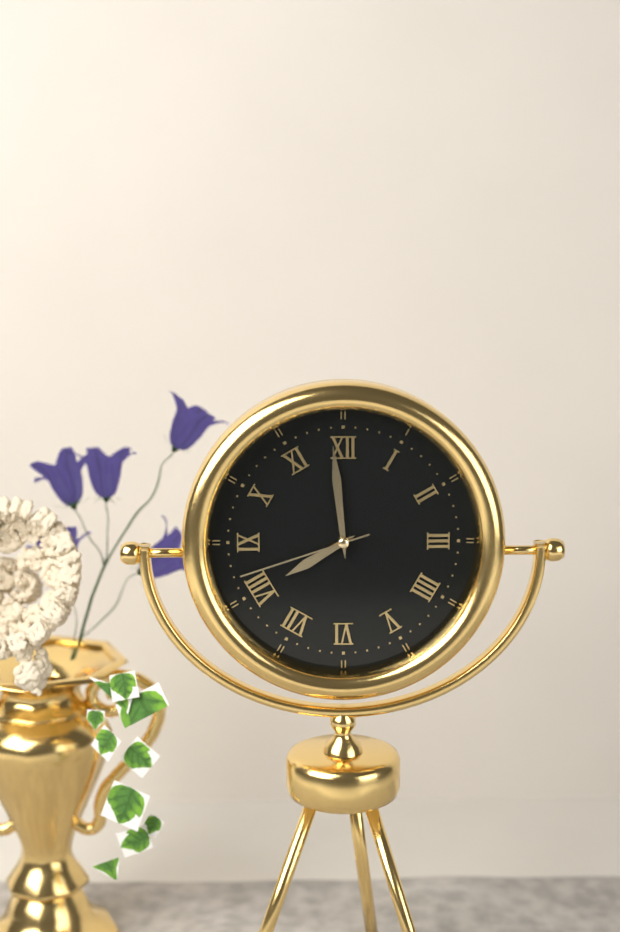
7:59:42
